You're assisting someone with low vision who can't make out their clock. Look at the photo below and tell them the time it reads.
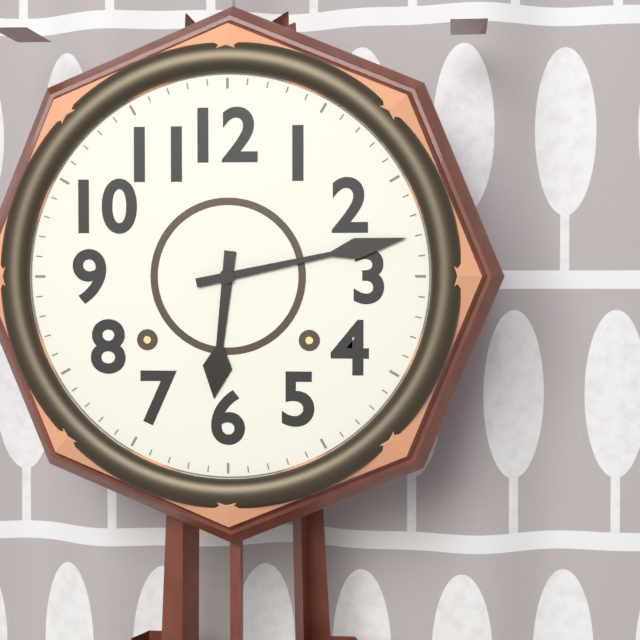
6:13
